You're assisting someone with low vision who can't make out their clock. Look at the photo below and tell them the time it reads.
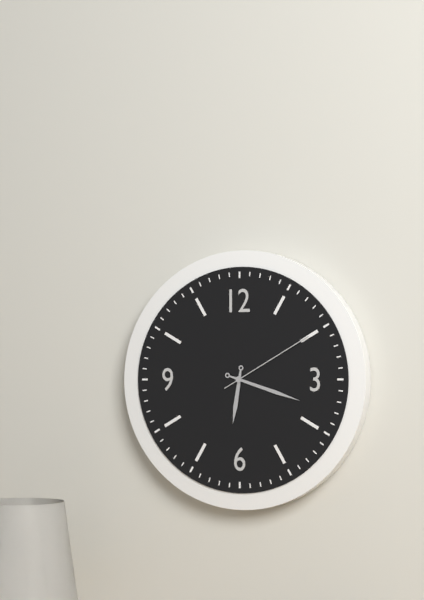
6:18:10
